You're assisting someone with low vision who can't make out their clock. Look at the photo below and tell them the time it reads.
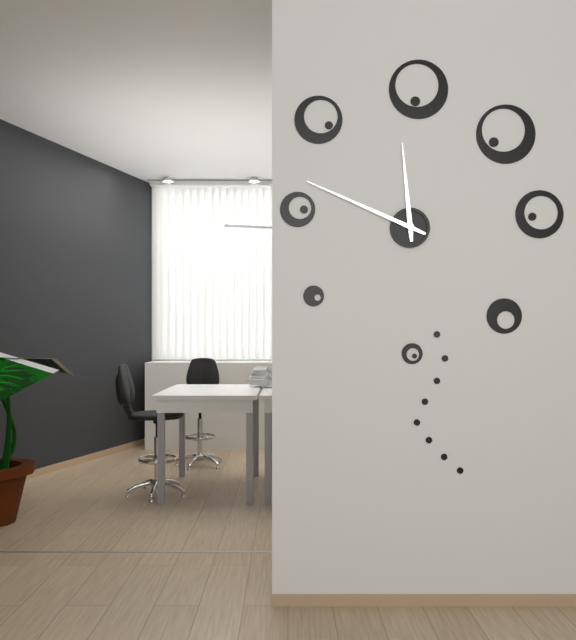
11:49
